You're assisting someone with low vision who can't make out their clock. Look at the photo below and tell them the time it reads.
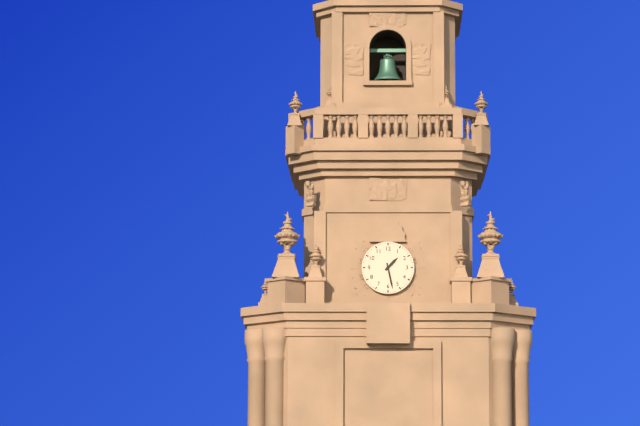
1:28
